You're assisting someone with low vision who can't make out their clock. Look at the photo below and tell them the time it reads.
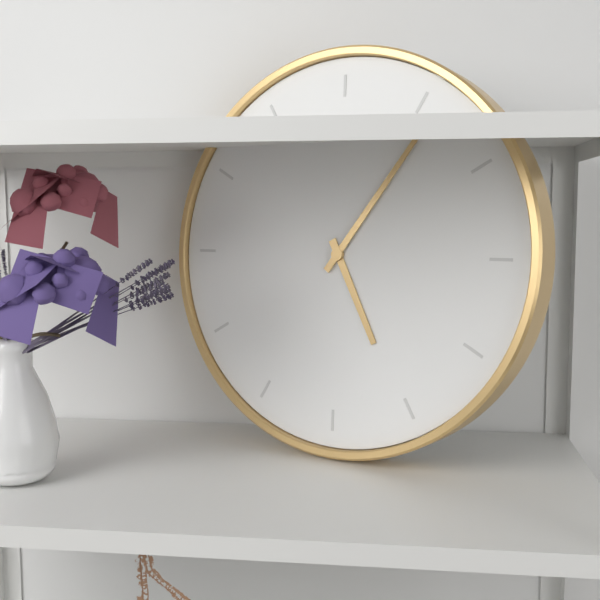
5:06
